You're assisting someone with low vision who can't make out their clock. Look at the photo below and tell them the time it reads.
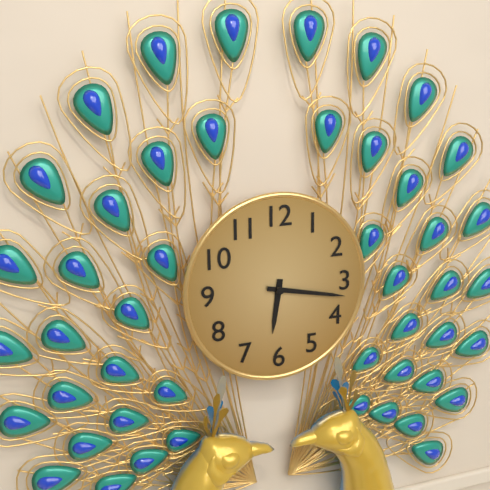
6:17
